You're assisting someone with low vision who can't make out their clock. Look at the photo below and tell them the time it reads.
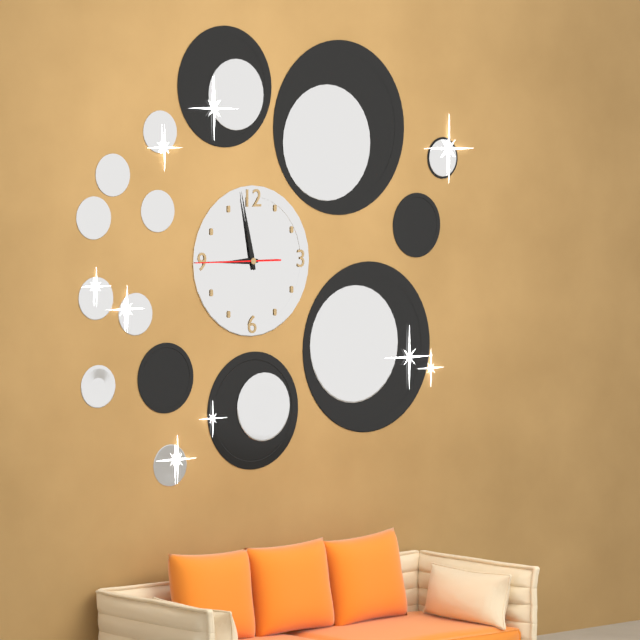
8:58:45
